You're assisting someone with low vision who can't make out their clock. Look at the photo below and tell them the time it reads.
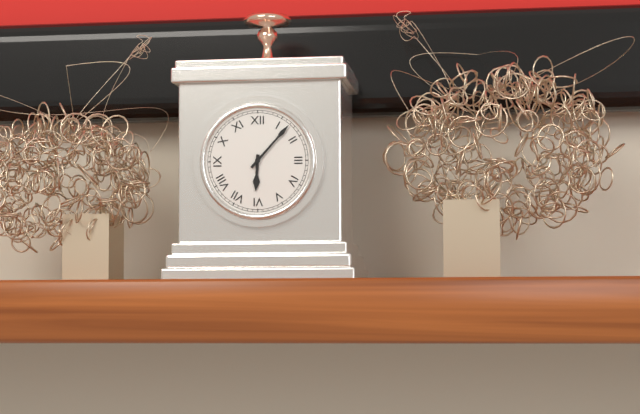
6:07
